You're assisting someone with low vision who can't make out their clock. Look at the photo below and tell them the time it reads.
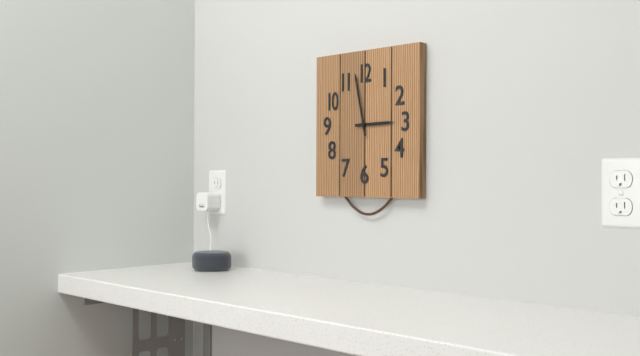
2:58
